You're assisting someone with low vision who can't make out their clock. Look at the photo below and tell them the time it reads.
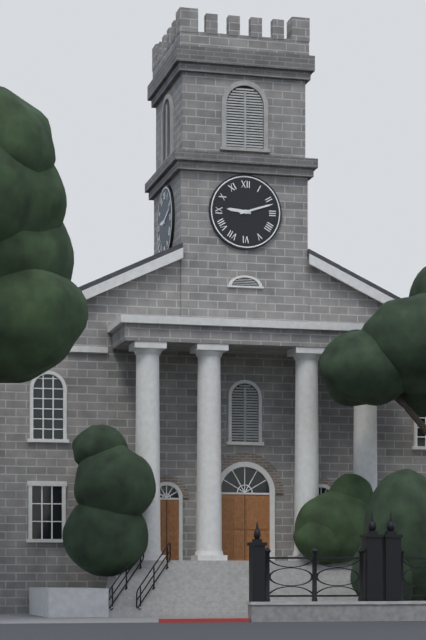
9:12
